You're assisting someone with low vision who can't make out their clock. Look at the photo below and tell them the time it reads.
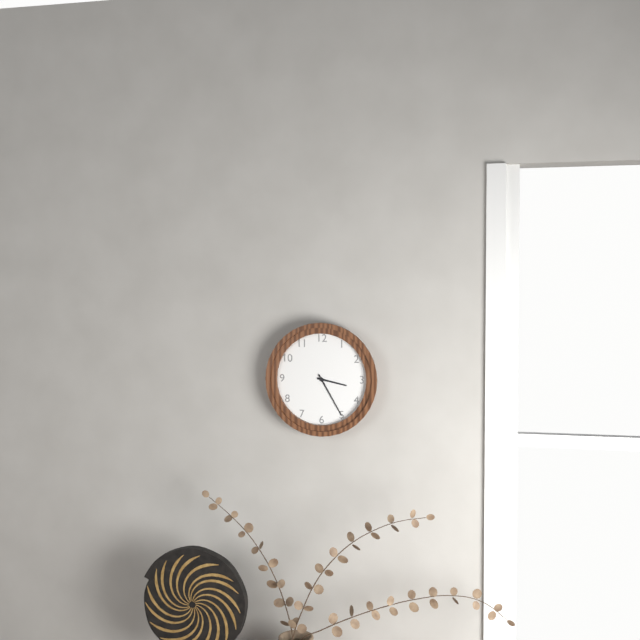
3:25
